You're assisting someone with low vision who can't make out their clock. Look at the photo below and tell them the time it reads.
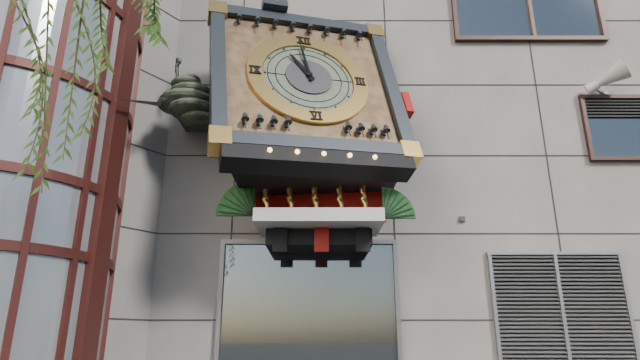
10:59
